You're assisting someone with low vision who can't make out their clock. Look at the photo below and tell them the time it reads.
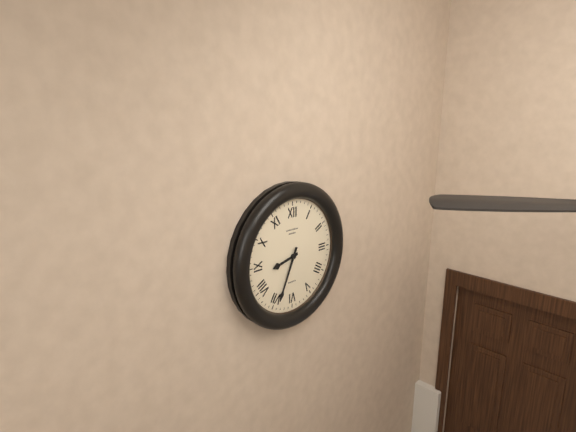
8:34
